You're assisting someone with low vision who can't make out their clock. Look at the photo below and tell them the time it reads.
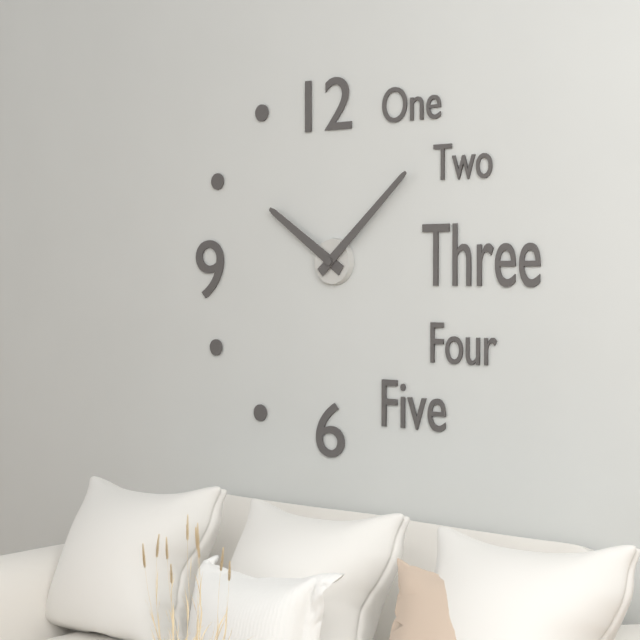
10:08
